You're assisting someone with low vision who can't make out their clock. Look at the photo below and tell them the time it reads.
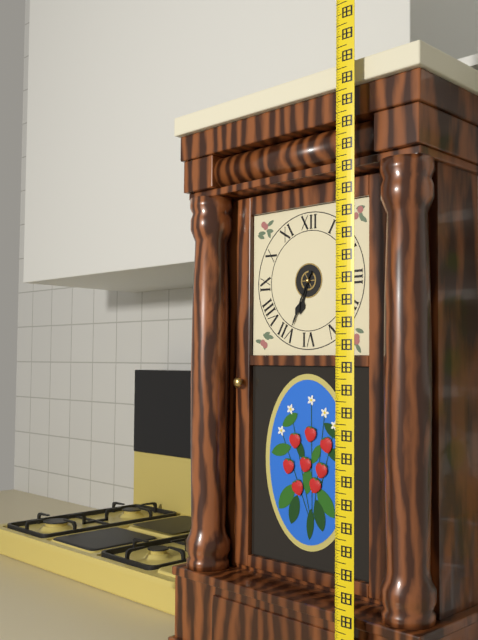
6:34
